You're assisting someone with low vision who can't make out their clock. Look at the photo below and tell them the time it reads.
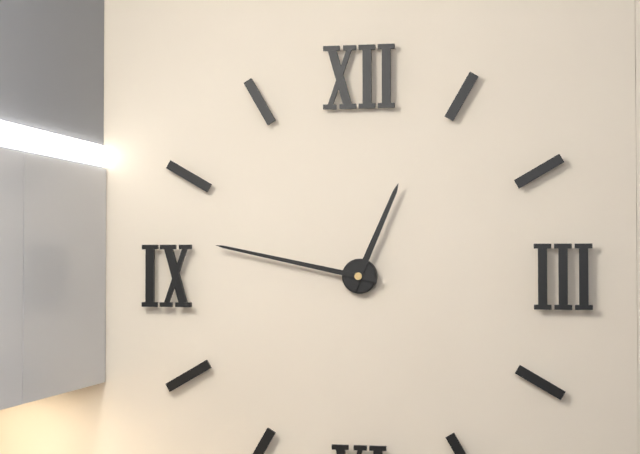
12:47
